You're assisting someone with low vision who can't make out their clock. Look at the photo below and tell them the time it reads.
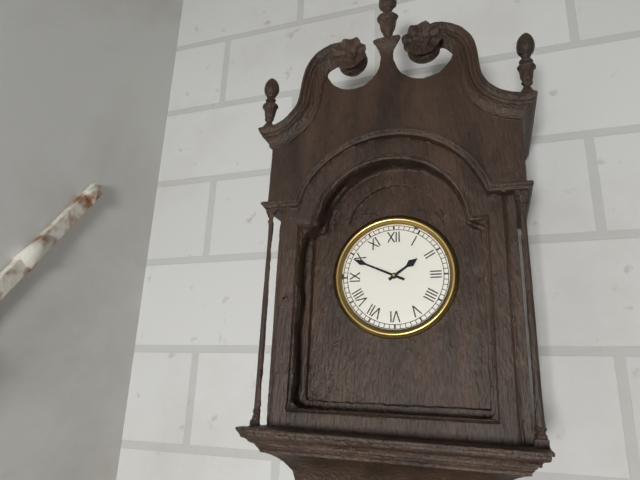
1:49
